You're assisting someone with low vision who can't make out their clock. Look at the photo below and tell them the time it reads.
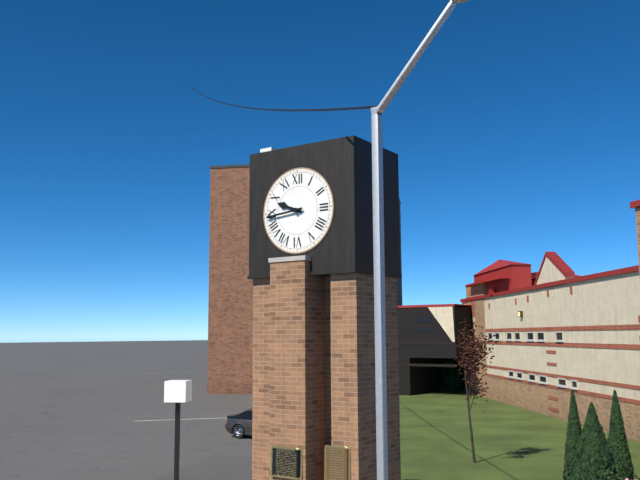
9:44
